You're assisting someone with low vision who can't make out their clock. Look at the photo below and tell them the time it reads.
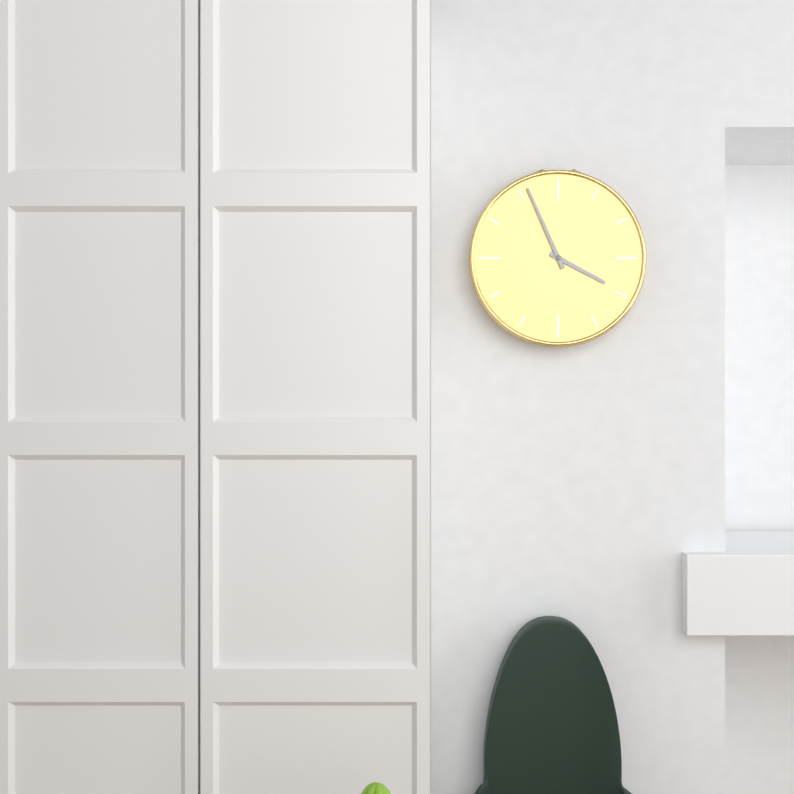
3:56
